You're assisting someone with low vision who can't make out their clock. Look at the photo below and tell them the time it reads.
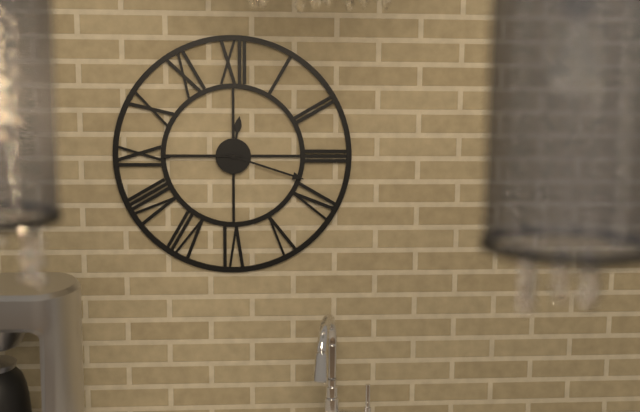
12:18:45
